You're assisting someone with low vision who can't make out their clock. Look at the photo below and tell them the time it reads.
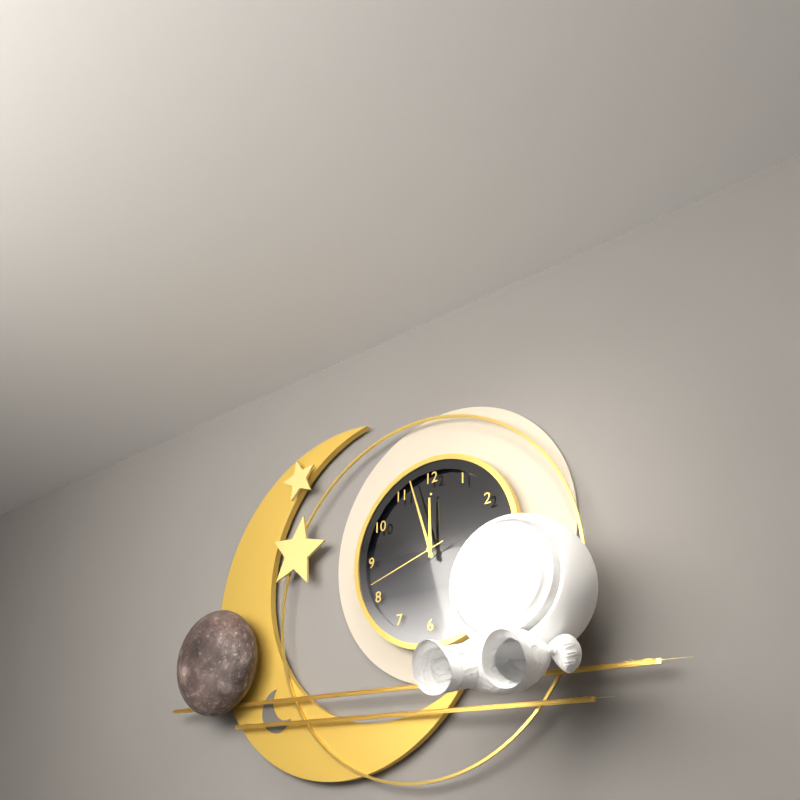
11:57:42
